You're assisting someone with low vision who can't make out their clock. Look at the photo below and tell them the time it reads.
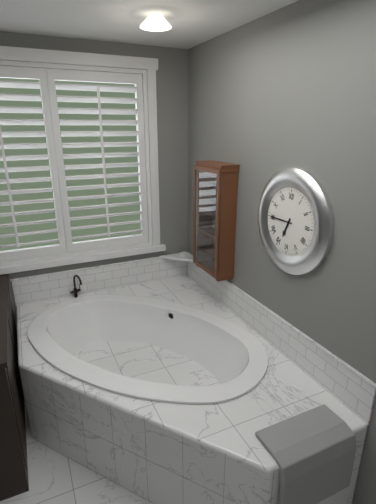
6:45
